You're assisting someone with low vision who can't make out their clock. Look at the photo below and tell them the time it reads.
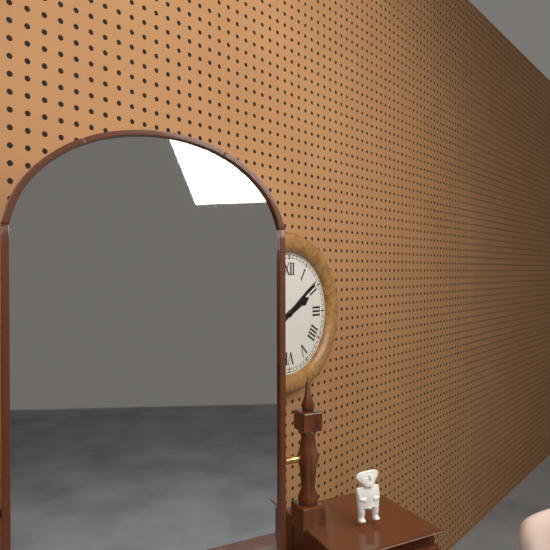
2:09
